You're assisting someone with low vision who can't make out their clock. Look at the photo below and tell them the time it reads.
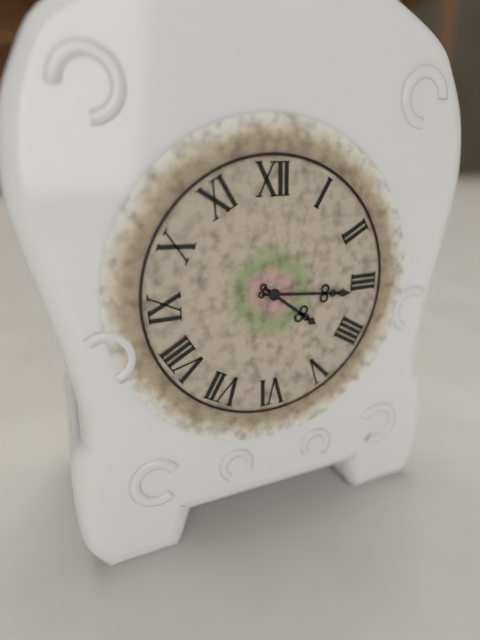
4:16
